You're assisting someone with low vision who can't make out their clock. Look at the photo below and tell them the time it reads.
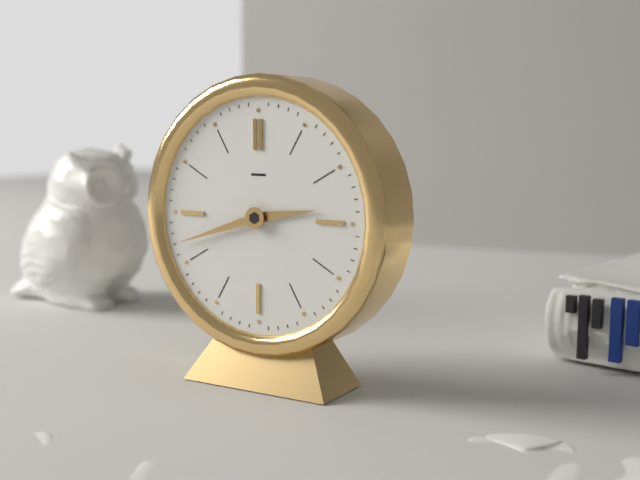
2:42
